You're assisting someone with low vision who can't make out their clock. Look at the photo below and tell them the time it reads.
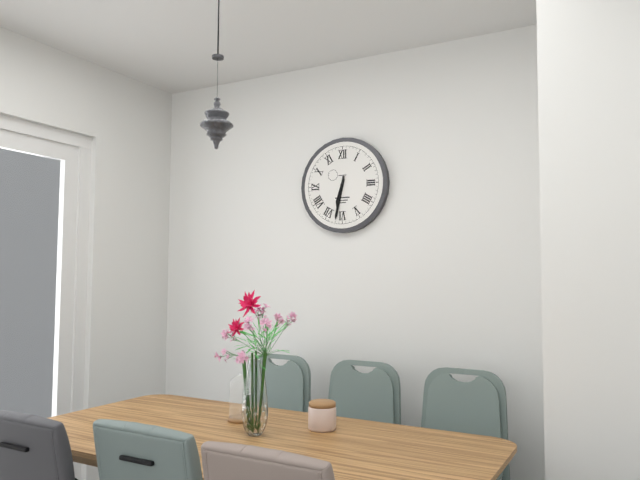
6:32
